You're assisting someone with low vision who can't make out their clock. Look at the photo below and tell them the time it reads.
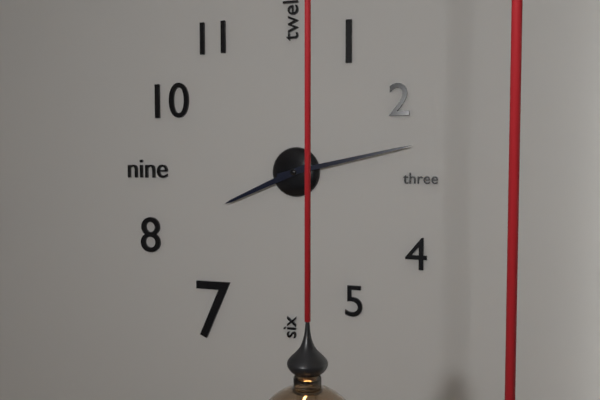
8:13
